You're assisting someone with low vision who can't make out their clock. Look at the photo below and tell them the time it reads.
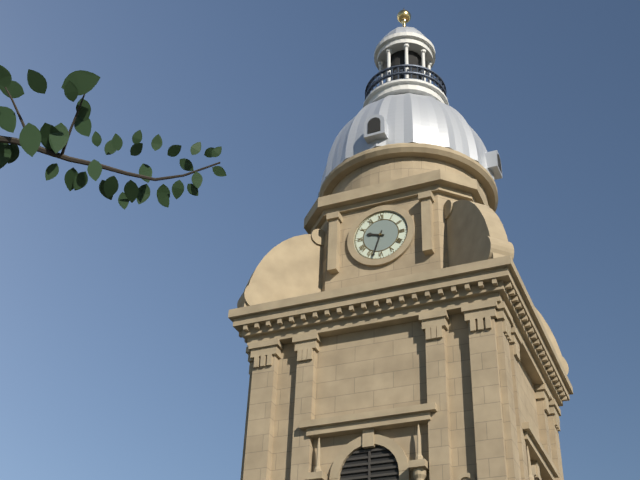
9:33
